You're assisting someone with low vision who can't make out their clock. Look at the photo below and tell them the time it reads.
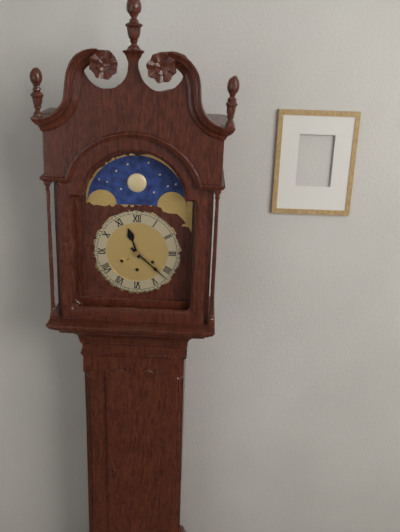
11:22
